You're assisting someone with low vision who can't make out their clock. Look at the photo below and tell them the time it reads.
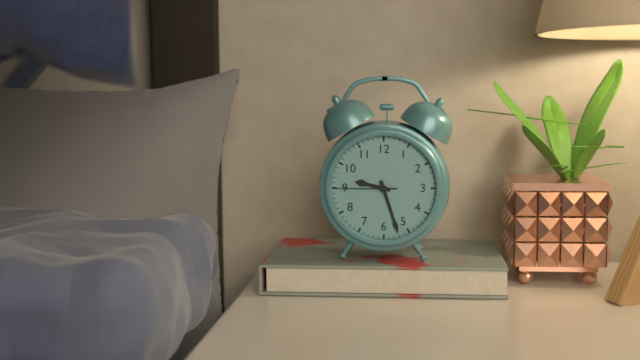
9:27:45
